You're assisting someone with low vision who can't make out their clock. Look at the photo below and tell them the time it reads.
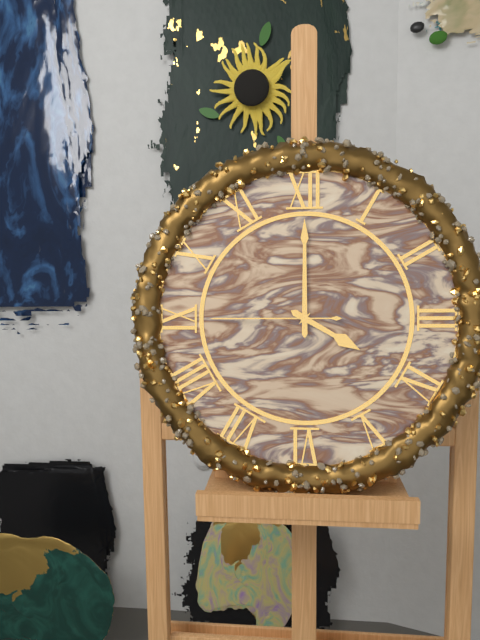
4:00:45
